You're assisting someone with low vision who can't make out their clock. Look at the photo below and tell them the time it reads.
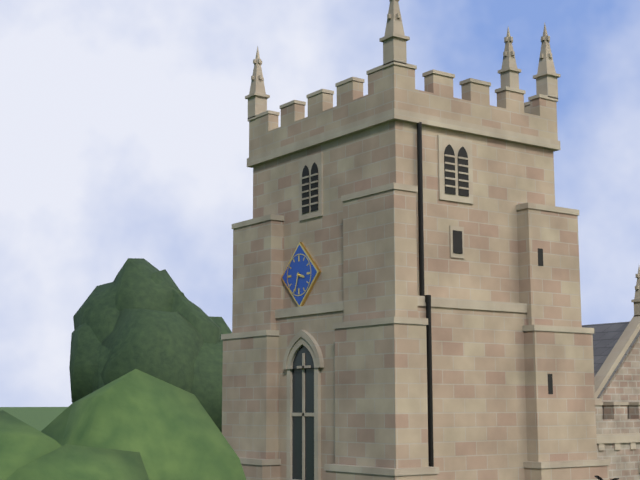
3:33
